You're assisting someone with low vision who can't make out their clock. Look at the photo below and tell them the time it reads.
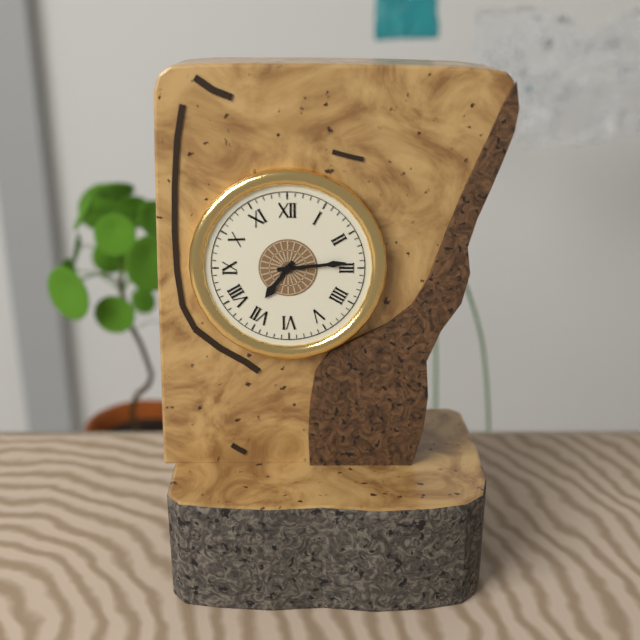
7:14
